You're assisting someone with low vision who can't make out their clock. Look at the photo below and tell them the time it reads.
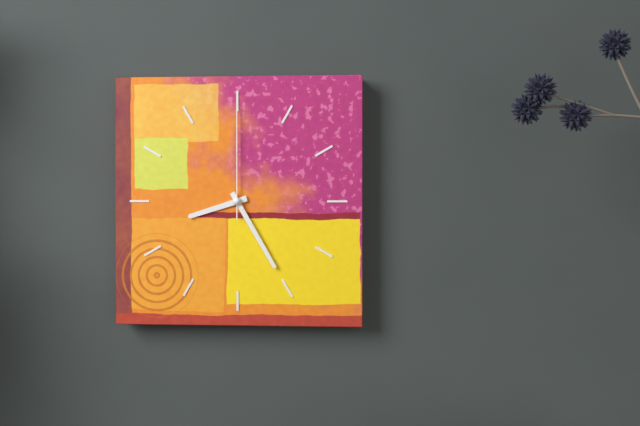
8:25:00
